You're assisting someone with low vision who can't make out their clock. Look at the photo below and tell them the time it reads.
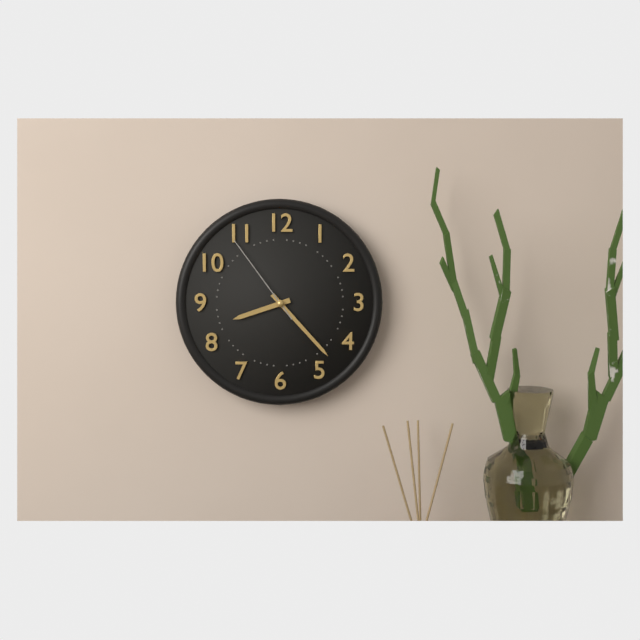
8:23:54
